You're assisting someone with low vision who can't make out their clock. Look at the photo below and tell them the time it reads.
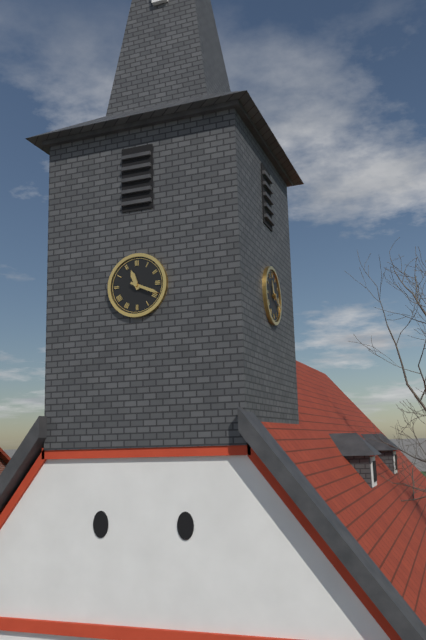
11:19
